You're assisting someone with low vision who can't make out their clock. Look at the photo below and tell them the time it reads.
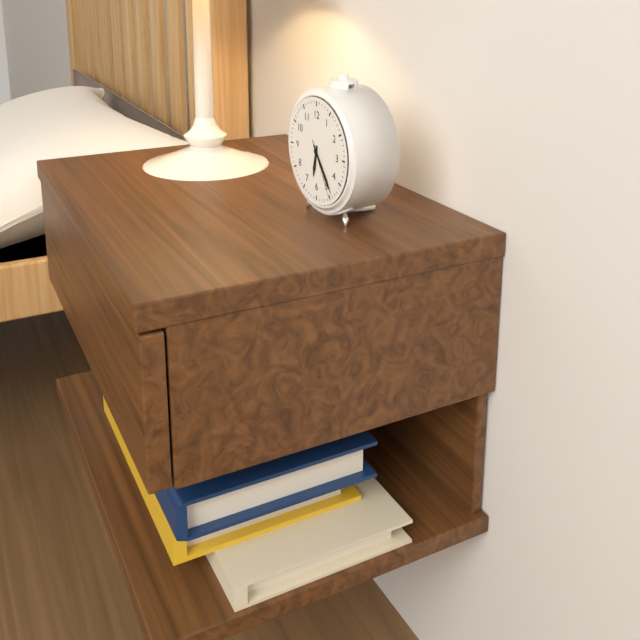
6:24:25
